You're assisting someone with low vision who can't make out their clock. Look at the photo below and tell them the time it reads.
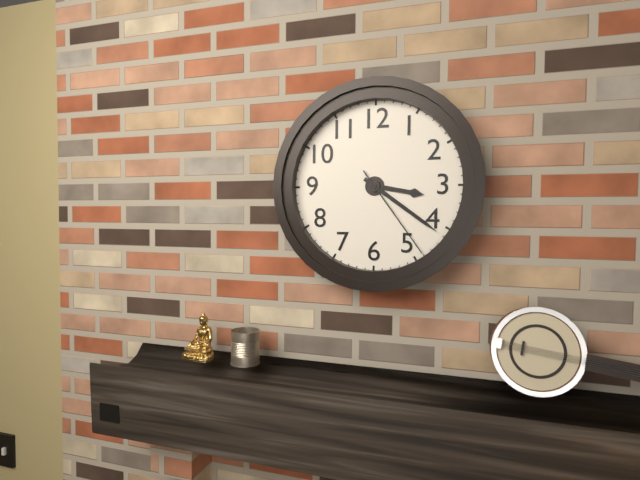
3:21:24
